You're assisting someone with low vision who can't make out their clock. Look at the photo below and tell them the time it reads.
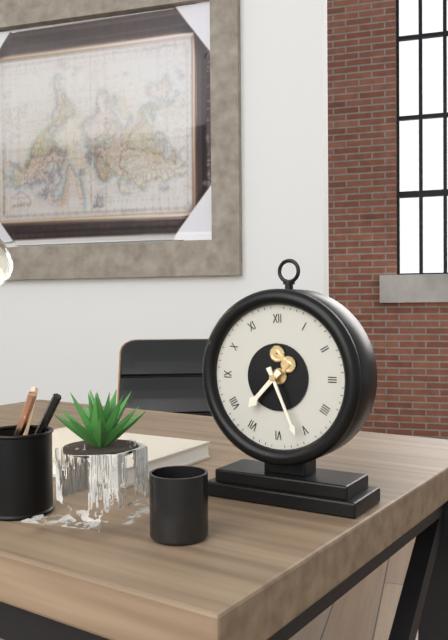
7:26
